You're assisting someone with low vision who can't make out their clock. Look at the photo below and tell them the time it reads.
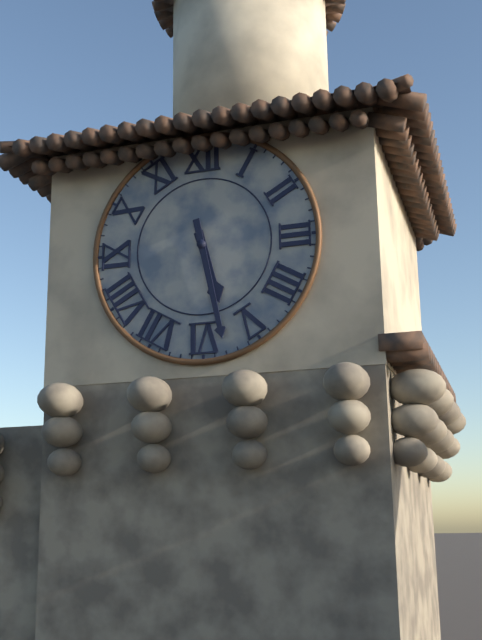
5:28
